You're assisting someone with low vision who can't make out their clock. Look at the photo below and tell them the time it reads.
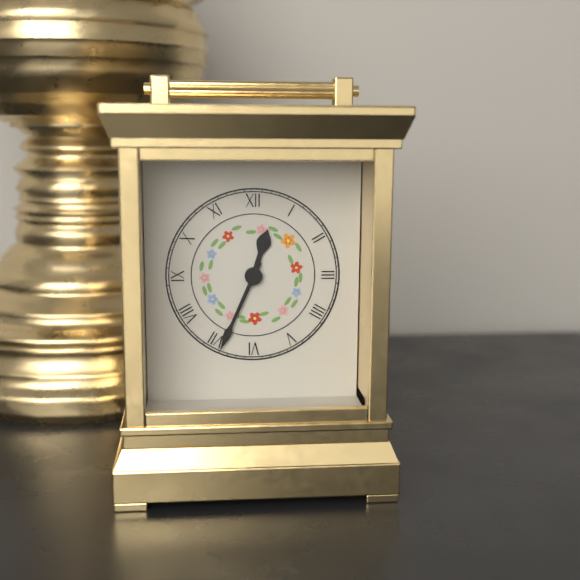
12:34
